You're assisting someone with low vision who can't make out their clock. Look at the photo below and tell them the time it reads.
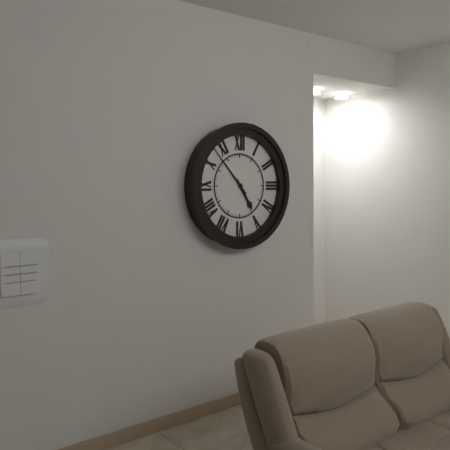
4:53
